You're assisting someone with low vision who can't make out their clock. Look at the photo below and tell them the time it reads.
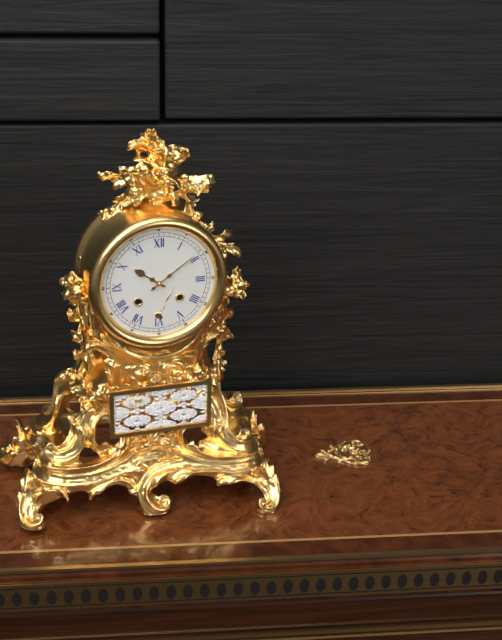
10:09
